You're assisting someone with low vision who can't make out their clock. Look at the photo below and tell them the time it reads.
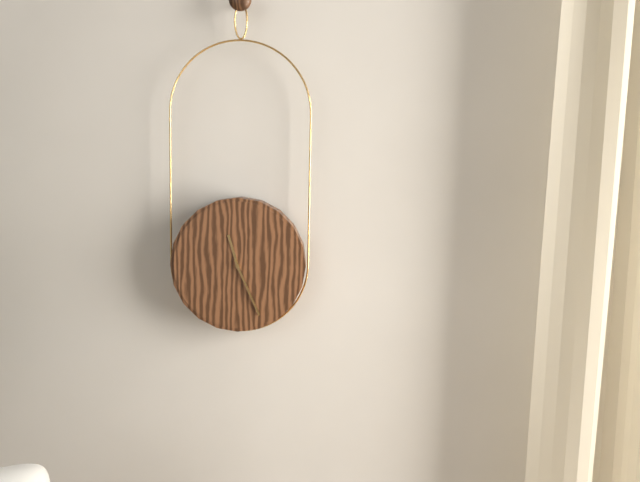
11:26
